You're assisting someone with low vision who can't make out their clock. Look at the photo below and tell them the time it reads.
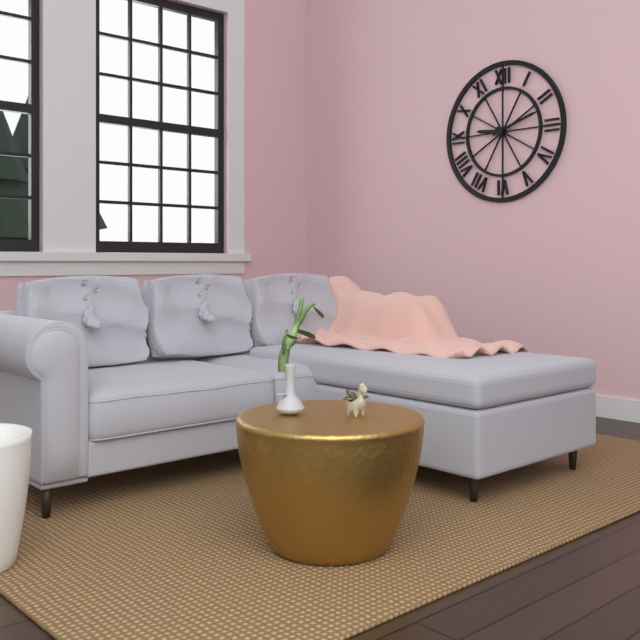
9:12
